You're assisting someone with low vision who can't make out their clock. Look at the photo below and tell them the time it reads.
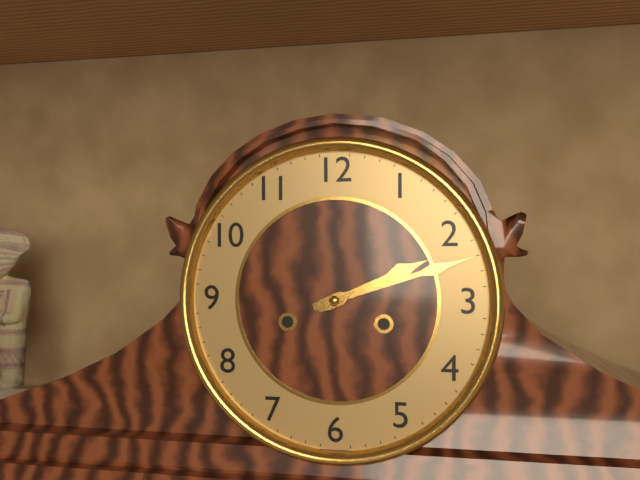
2:12
